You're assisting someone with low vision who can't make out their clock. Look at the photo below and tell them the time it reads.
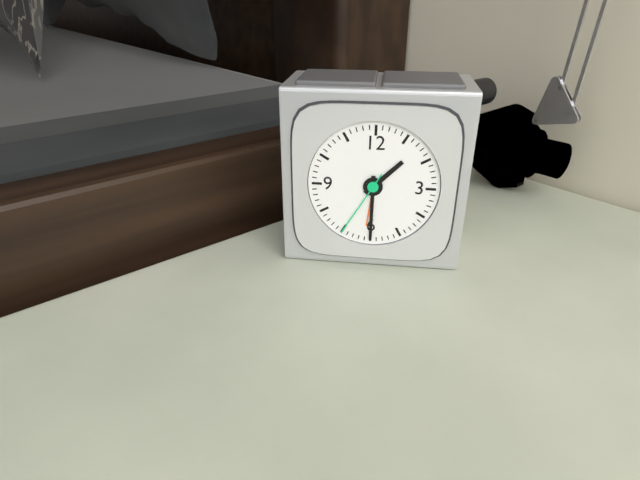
1:30:35
